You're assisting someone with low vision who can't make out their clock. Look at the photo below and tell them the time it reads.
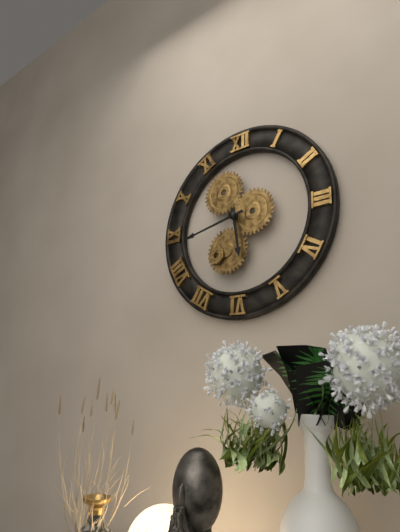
5:43
